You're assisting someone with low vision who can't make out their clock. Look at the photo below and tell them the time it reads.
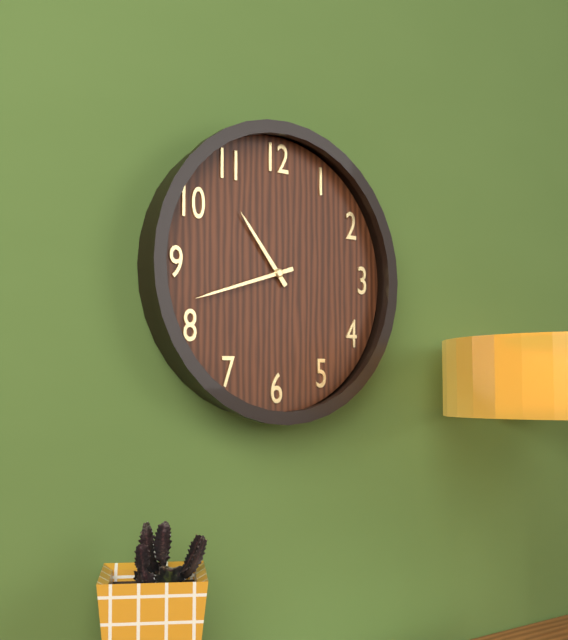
10:42
